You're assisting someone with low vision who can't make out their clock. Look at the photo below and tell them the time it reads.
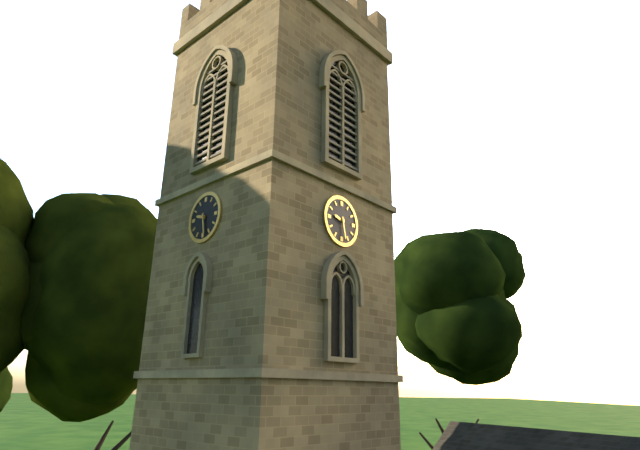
9:28
